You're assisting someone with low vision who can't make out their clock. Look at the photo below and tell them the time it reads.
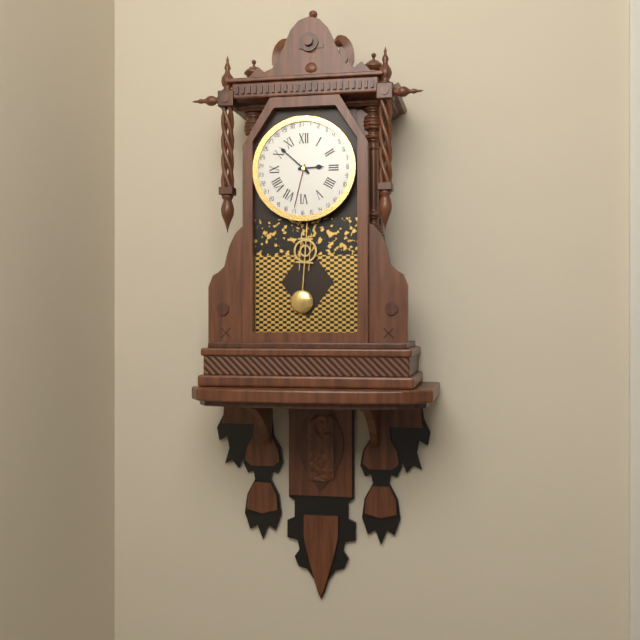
2:52
